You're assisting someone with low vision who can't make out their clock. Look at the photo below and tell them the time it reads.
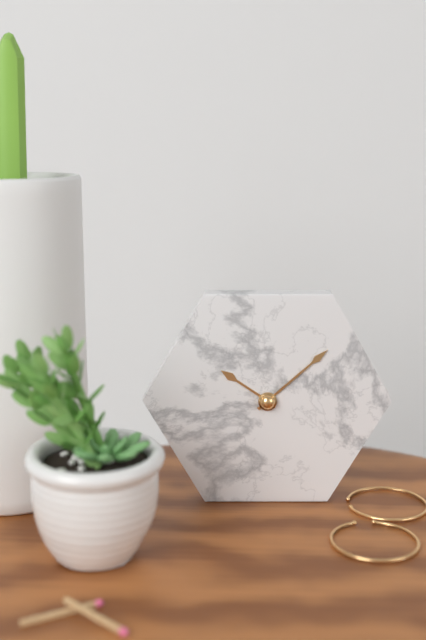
10:08
